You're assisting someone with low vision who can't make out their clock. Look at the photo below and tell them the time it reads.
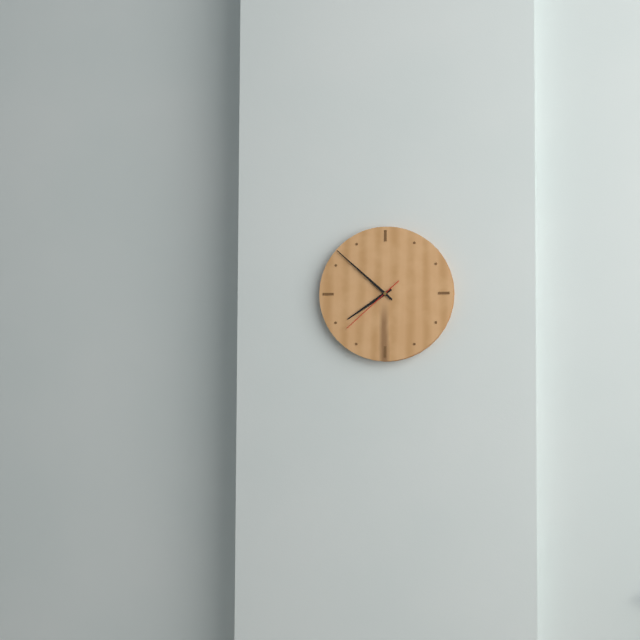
7:52:38
